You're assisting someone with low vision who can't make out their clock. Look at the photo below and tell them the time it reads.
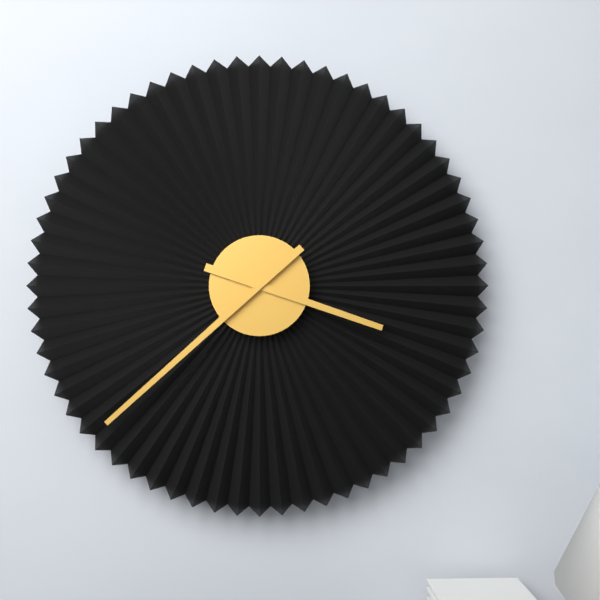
3:38
